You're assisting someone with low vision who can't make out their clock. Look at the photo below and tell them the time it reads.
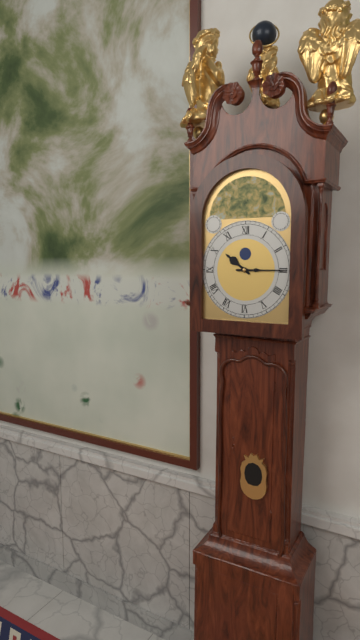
10:15
